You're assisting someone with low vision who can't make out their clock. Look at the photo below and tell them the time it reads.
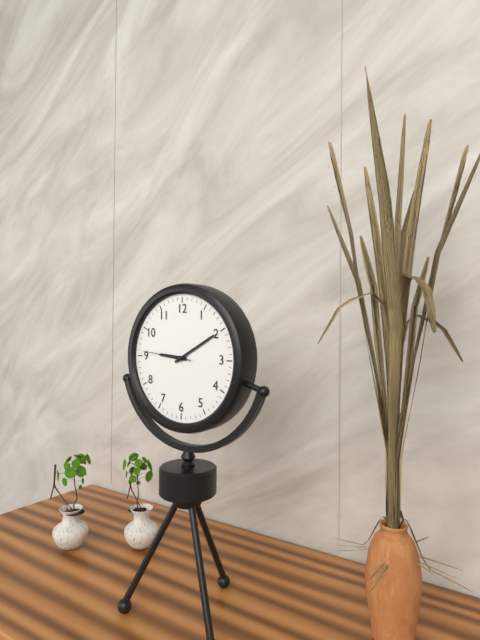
9:10:46
